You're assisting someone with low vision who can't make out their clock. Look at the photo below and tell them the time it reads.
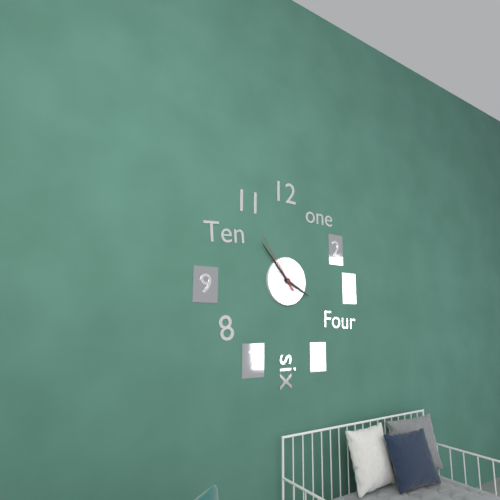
3:53:54
